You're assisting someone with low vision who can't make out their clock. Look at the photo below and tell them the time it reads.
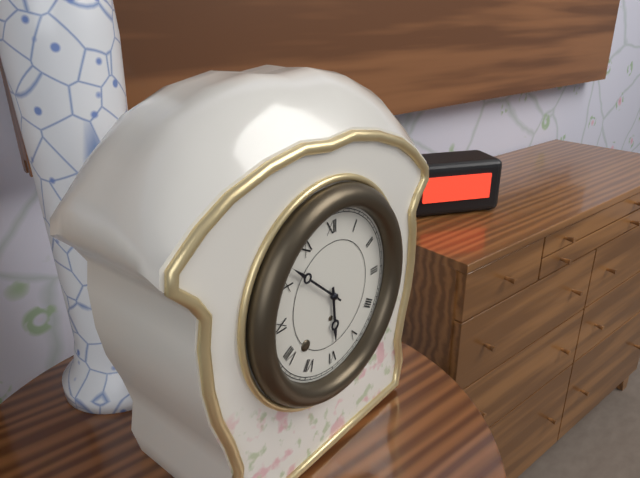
5:52
